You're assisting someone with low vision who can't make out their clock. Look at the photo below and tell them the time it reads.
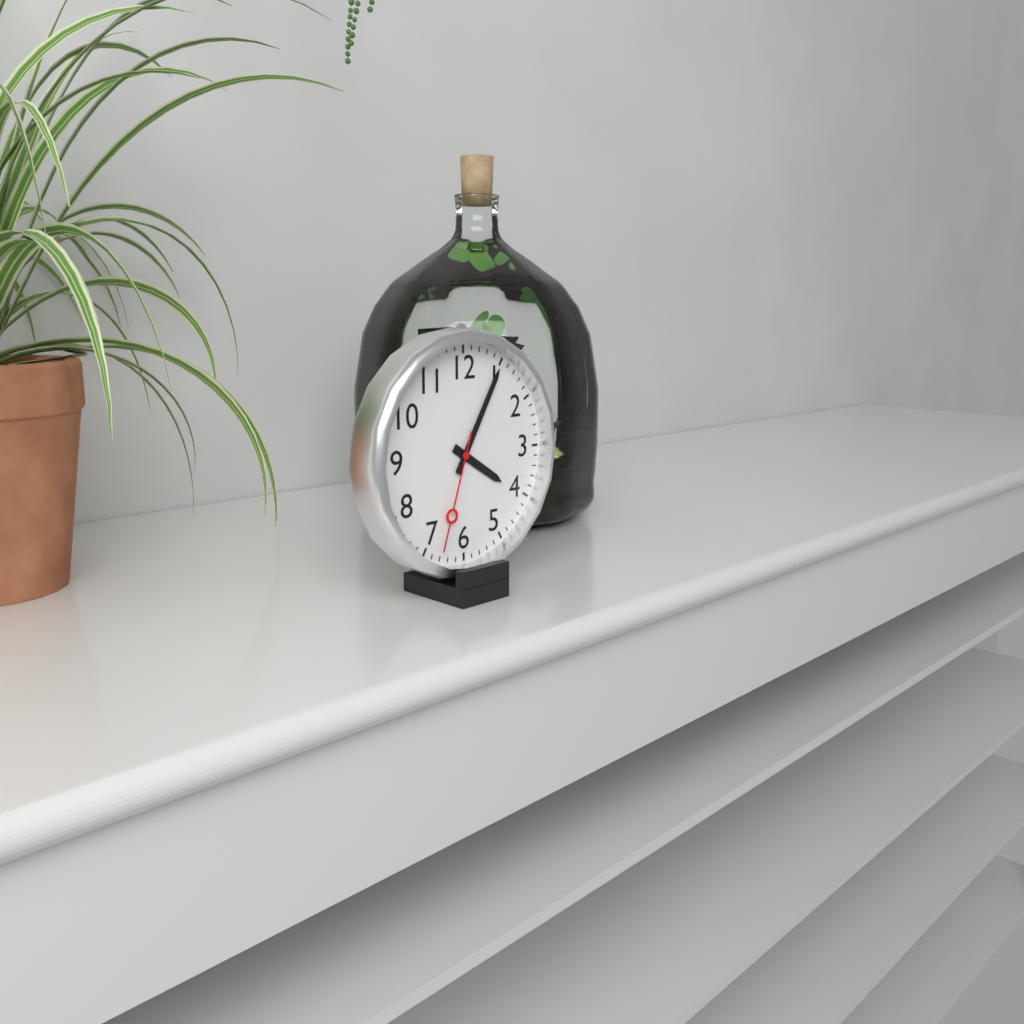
4:05:33
